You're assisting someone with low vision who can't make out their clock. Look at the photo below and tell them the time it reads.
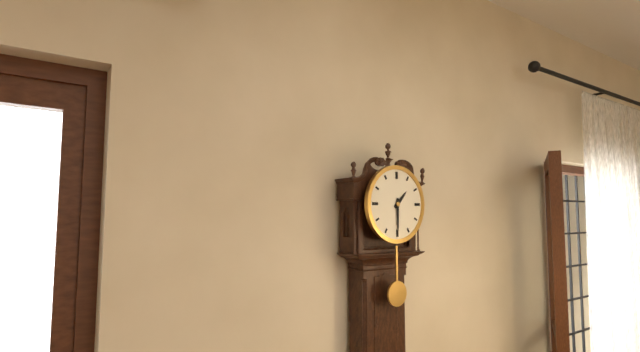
1:30
